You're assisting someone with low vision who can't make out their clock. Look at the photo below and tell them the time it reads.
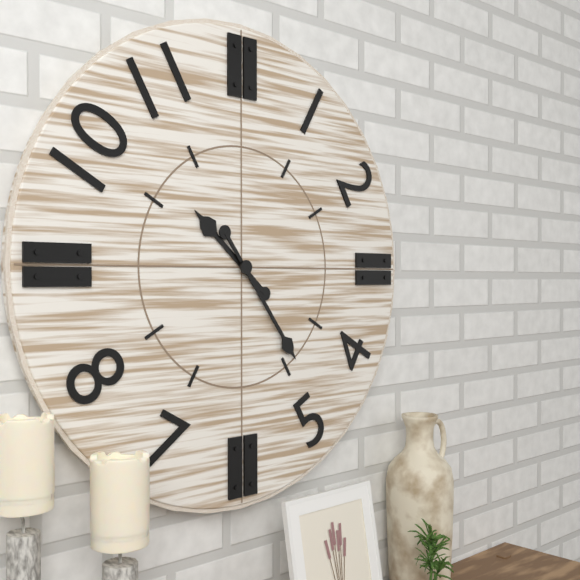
10:24
